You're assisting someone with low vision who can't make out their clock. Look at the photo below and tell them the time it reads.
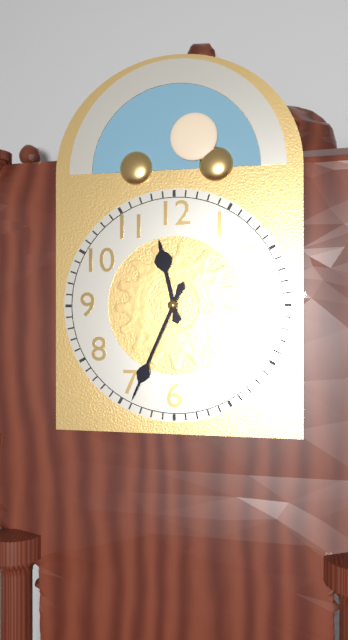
11:34
